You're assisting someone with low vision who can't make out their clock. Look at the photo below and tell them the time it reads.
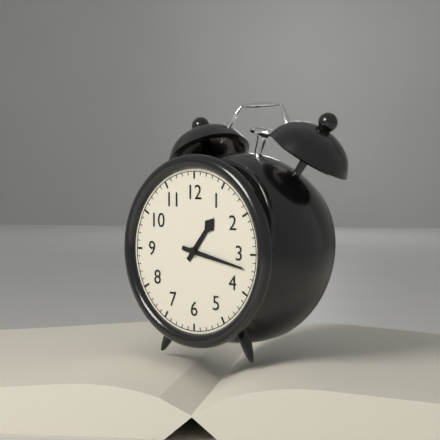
1:17
